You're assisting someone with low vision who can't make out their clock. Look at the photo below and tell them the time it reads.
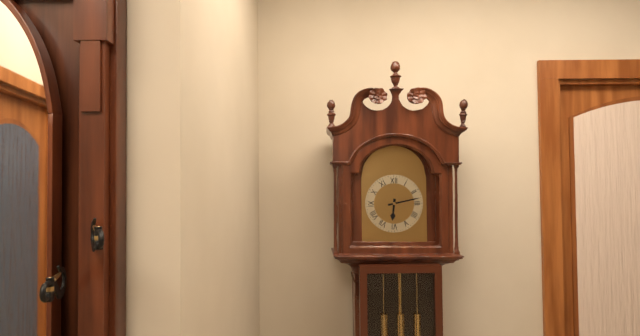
6:13
